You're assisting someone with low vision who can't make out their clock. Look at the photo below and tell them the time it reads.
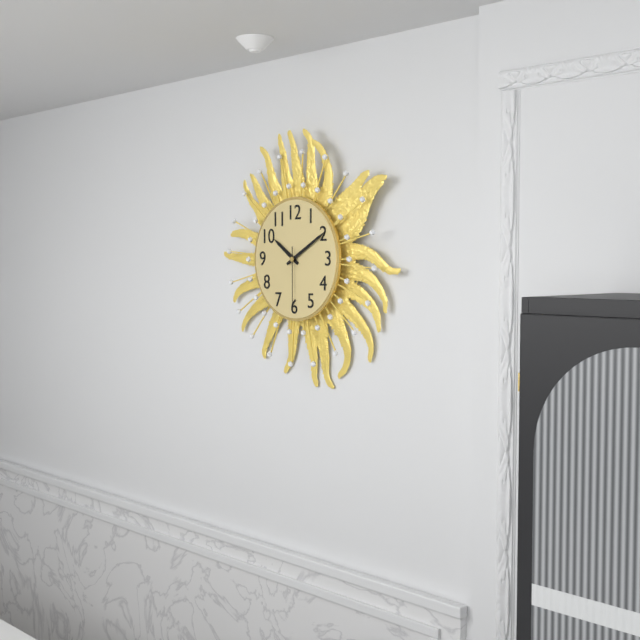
10:10:30
